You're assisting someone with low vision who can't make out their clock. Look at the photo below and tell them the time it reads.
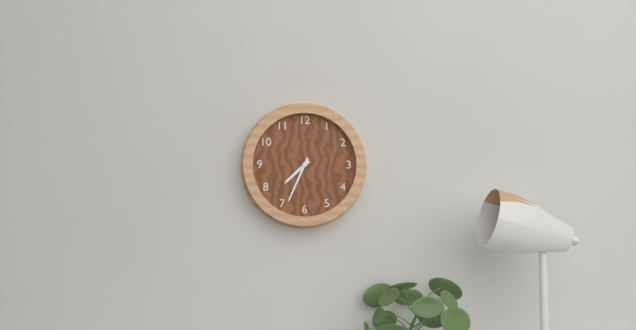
7:34
